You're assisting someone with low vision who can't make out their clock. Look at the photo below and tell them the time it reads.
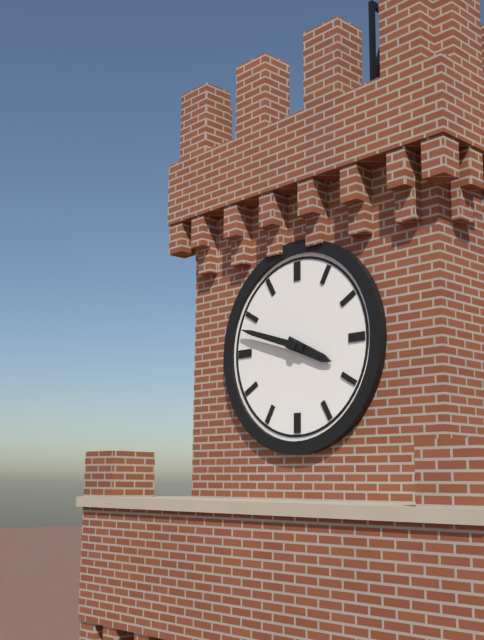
3:48
